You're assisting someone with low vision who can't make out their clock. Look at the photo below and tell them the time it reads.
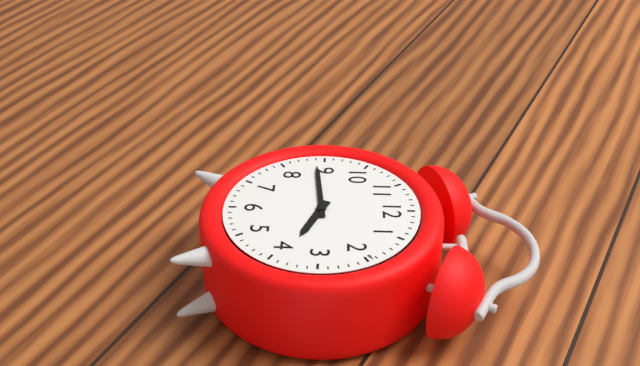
3:44
